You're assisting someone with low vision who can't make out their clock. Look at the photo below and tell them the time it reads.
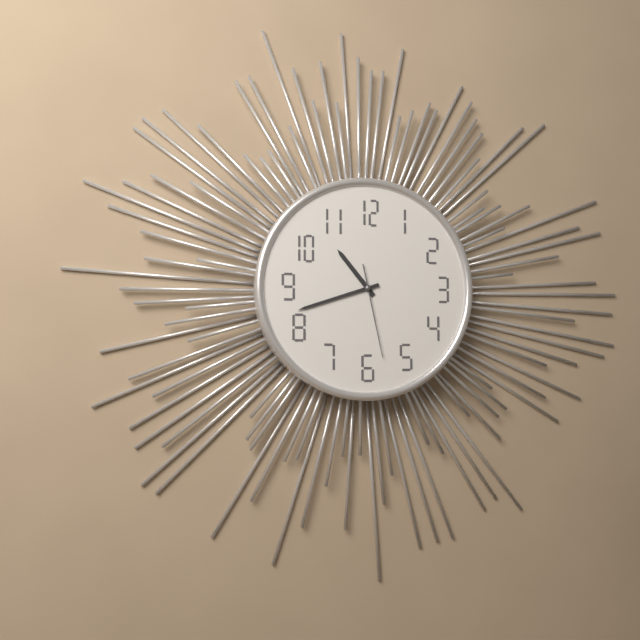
10:42:28
